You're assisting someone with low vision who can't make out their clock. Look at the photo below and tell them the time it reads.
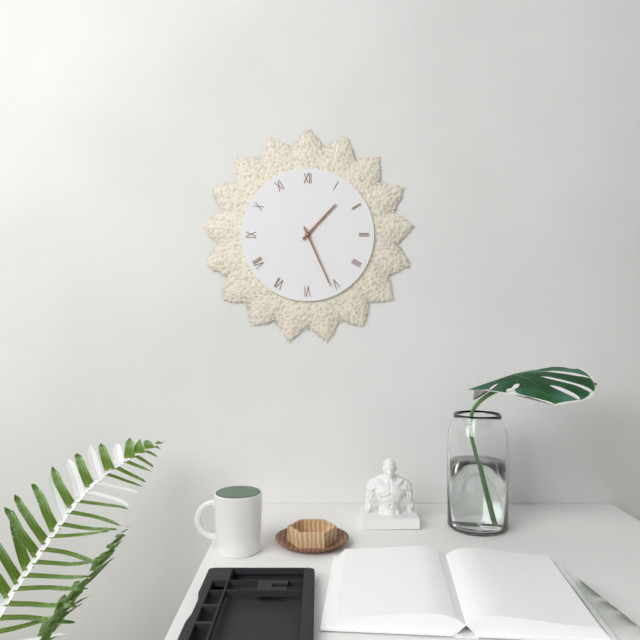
1:26
